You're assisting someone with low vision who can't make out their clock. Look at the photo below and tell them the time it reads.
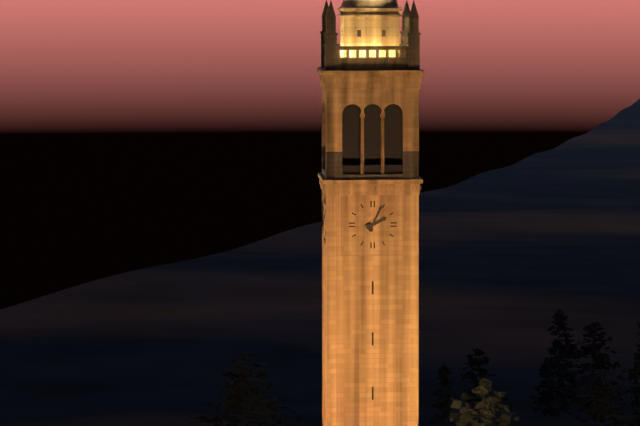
2:04
